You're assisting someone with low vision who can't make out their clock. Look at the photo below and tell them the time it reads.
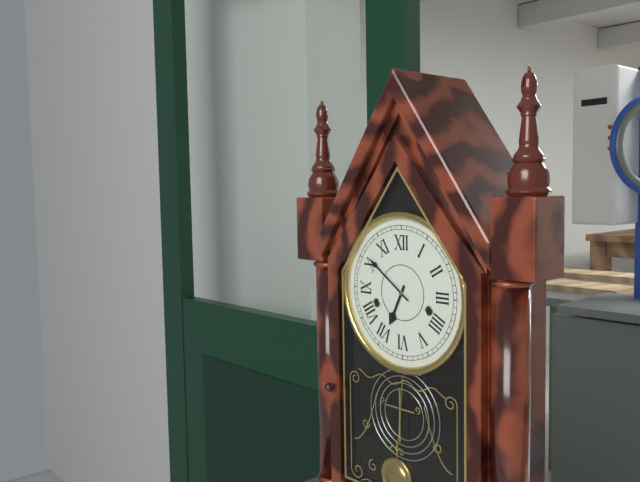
6:51
